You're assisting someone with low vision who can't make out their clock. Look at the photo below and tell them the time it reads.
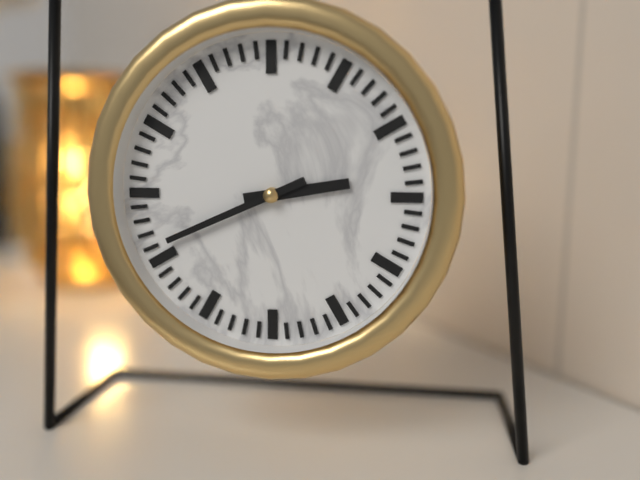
2:41
